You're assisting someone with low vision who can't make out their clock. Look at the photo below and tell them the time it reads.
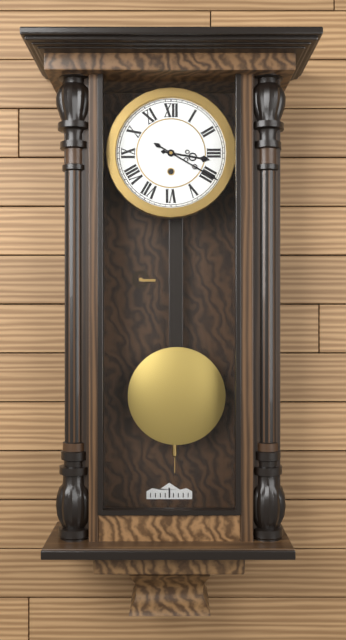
3:20
